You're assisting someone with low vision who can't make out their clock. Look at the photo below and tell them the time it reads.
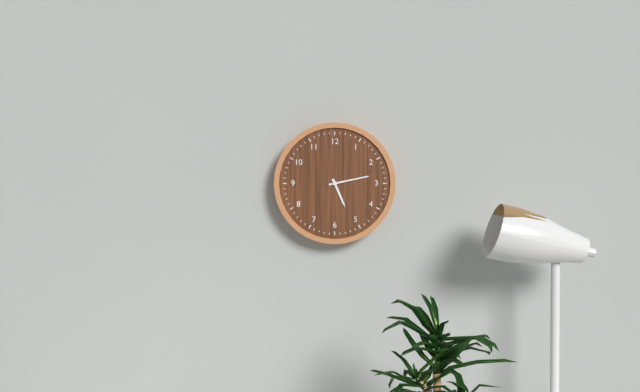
5:13
